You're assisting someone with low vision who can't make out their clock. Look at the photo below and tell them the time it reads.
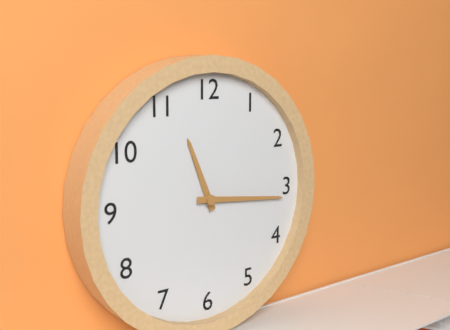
11:16
